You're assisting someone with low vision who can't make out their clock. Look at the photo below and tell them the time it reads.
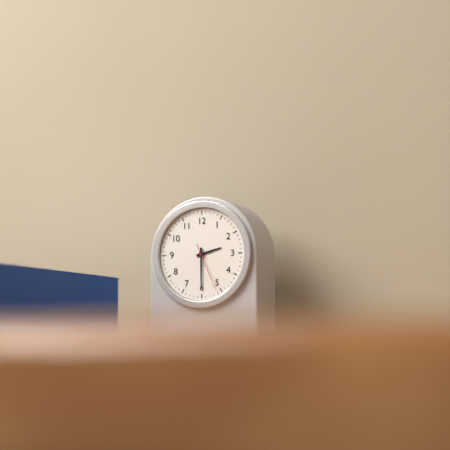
2:30:26
